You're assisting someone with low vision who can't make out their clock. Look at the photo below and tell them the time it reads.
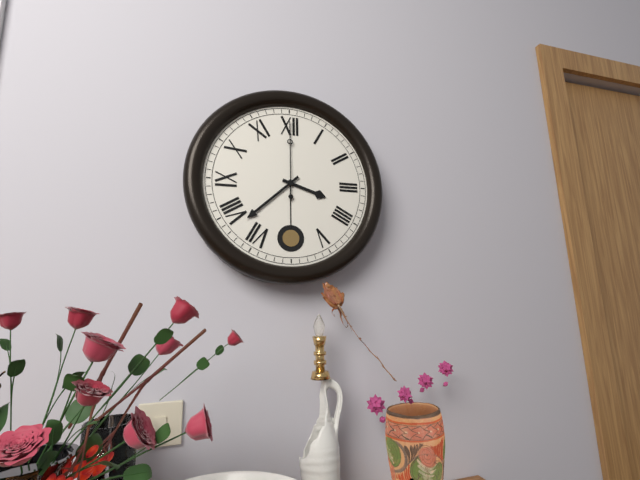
3:38:00
